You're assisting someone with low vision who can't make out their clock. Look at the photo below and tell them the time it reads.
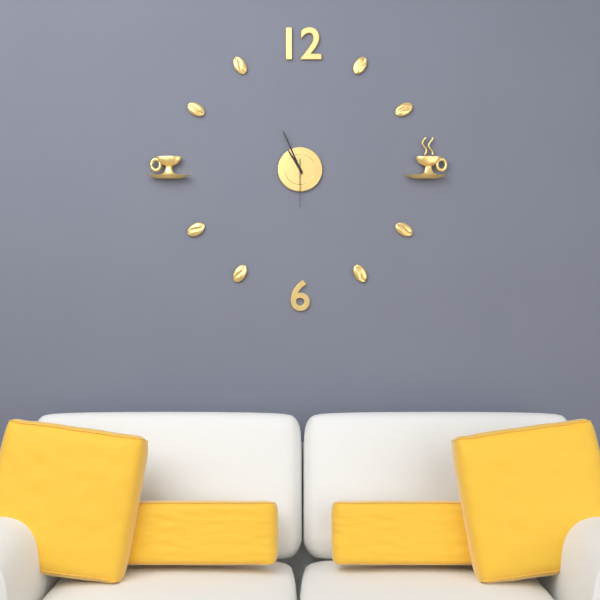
10:56
